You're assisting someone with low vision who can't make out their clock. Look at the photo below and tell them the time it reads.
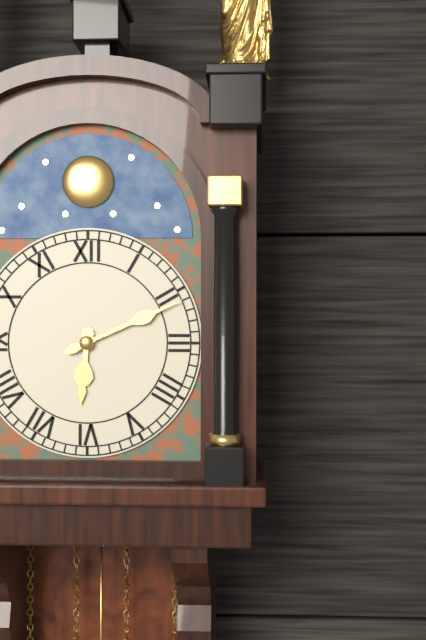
6:11
